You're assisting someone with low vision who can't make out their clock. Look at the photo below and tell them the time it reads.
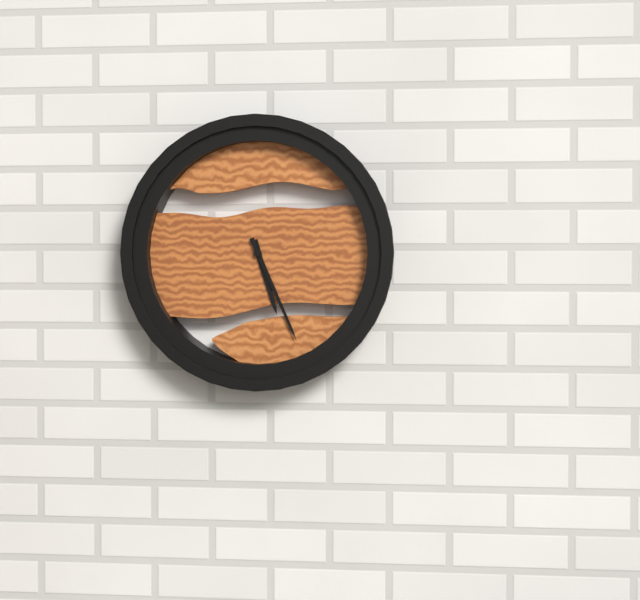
5:26
